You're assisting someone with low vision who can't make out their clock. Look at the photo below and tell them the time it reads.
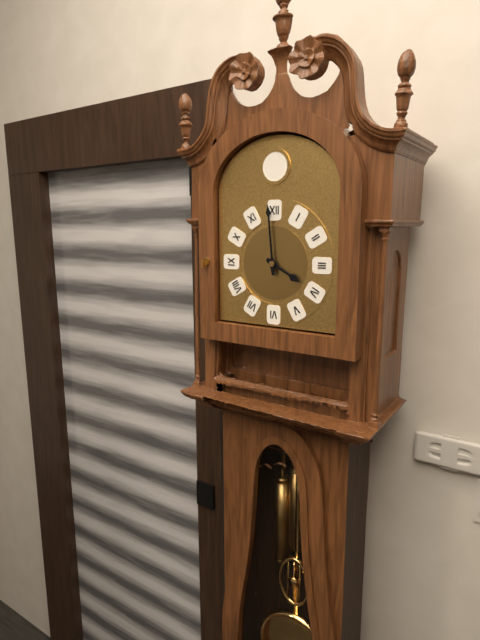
3:59
